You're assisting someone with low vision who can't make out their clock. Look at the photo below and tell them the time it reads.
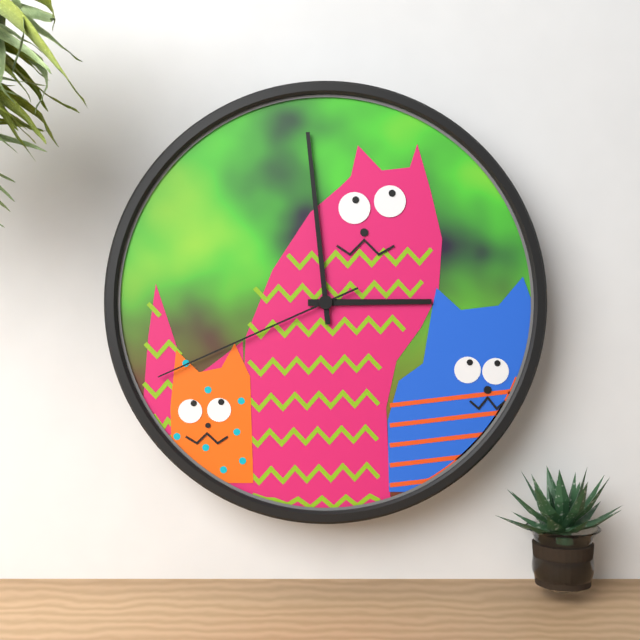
2:59:41
